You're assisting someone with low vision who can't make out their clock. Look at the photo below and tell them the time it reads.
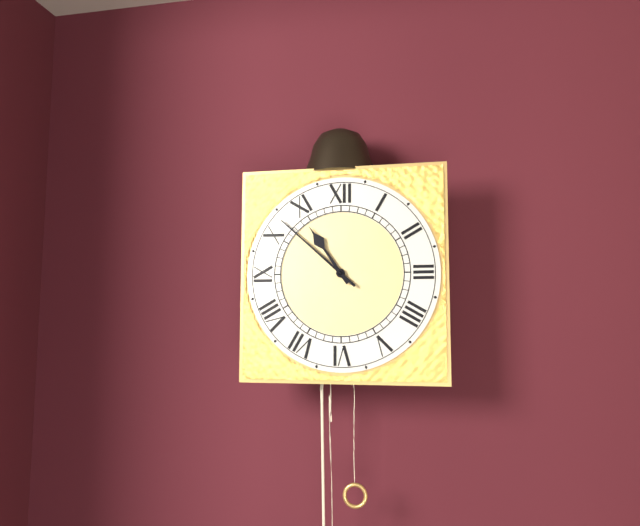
10:52
